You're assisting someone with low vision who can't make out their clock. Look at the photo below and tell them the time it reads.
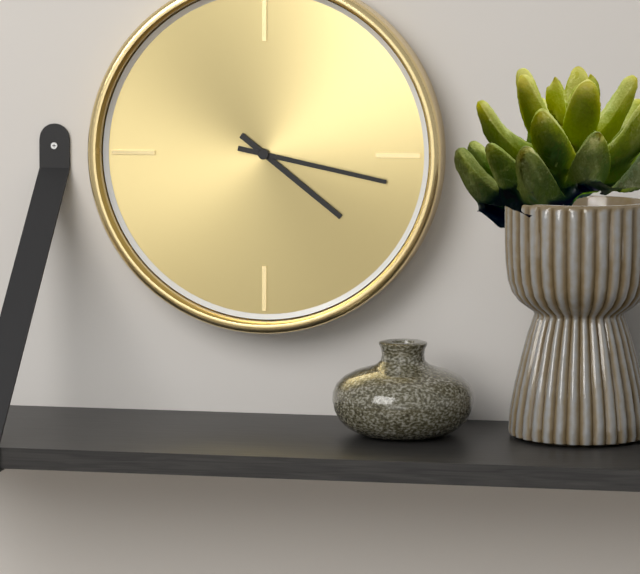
4:17
